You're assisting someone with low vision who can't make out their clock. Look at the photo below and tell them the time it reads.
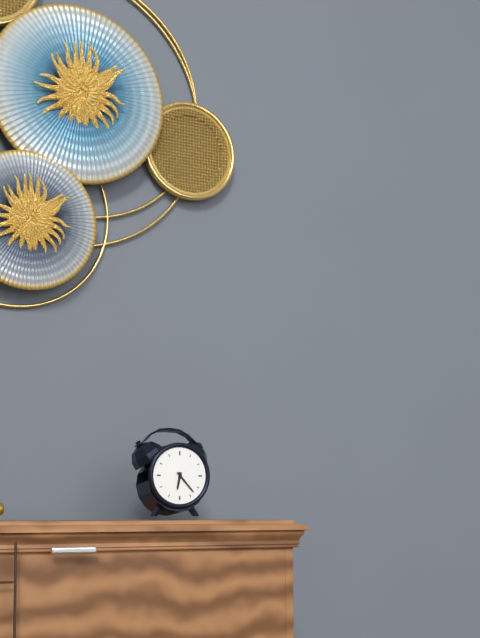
6:23
